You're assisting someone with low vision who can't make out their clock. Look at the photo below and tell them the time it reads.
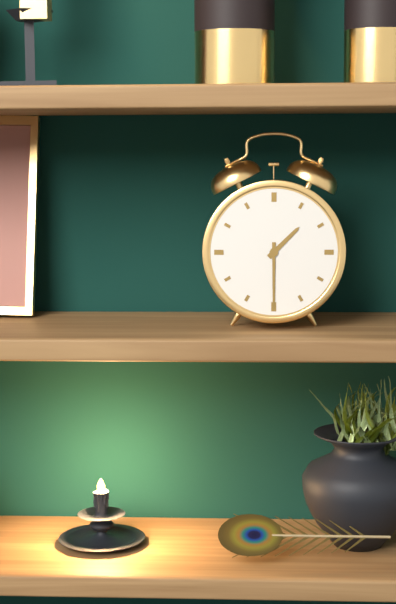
1:30
